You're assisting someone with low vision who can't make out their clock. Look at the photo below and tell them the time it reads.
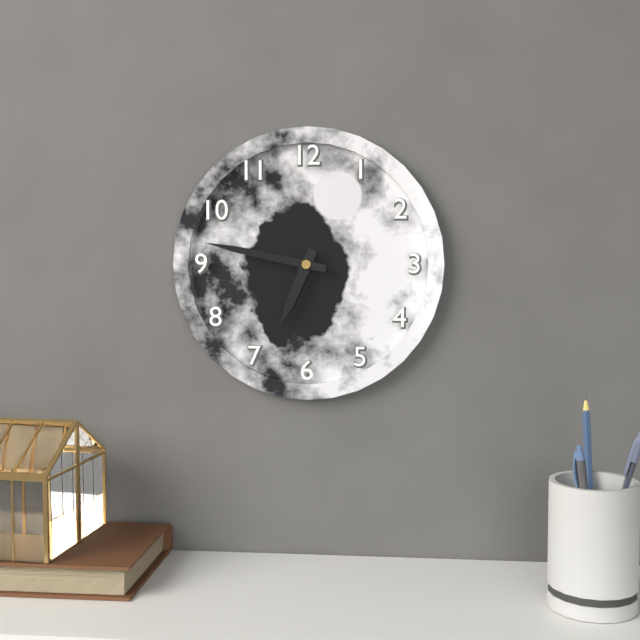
6:47
